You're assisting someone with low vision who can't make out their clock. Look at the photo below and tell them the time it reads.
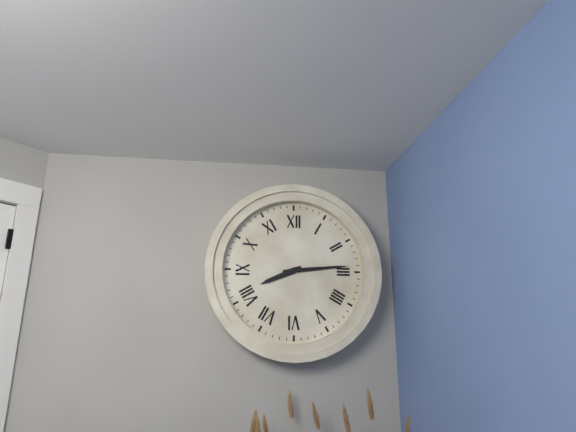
8:14
